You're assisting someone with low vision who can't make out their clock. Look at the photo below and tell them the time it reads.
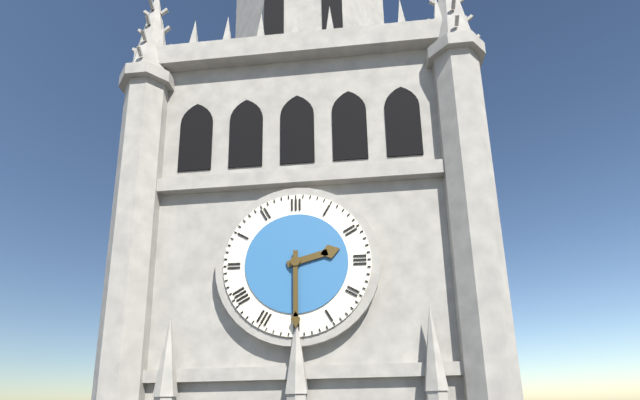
2:30
